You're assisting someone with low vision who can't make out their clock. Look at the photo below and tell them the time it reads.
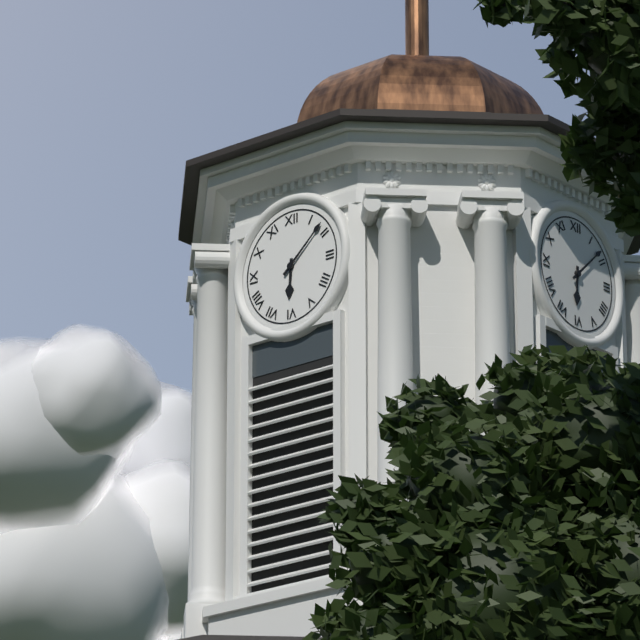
6:08
